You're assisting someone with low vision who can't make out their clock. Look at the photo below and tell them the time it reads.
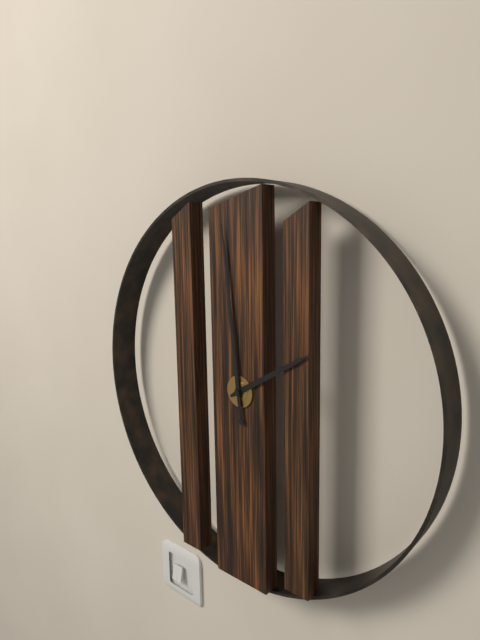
1:59
